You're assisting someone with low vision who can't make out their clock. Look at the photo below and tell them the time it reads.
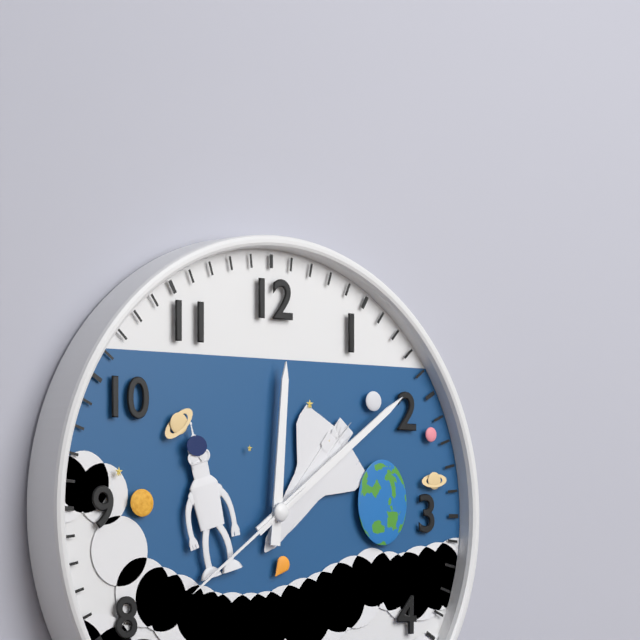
12:09:39
